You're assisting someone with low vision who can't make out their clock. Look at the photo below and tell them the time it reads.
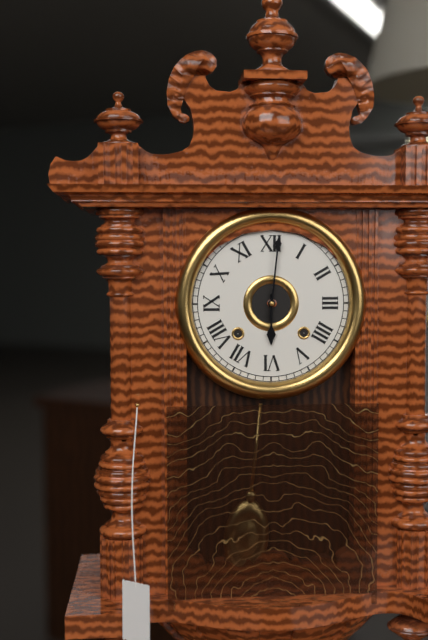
6:01
